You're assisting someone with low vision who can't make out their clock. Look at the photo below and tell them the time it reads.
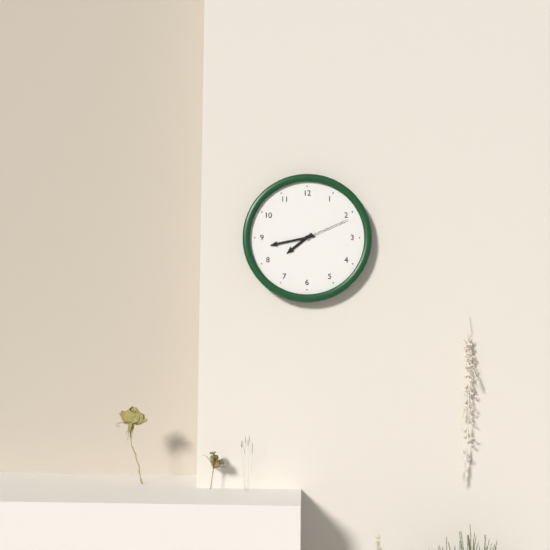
7:43:11
